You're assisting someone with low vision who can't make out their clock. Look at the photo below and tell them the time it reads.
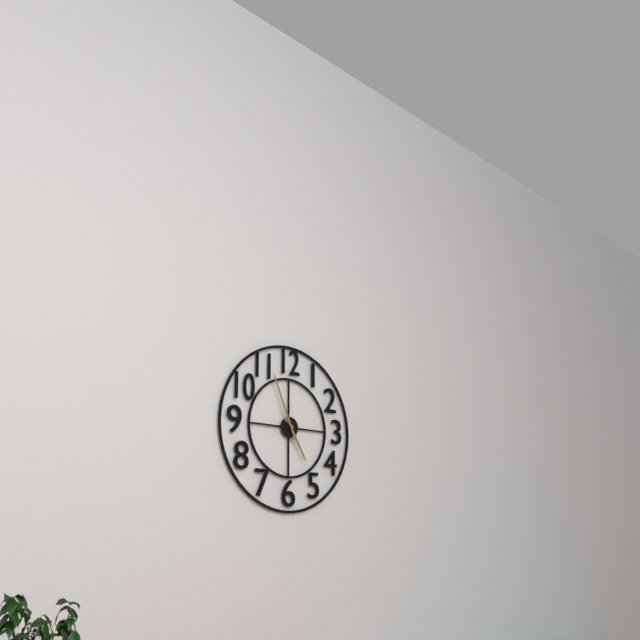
4:56
